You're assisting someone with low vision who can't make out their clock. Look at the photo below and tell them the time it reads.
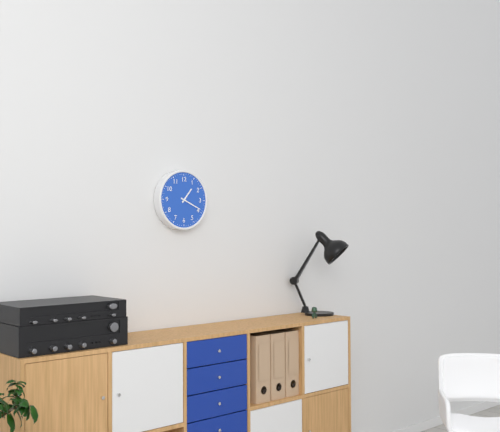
1:19
